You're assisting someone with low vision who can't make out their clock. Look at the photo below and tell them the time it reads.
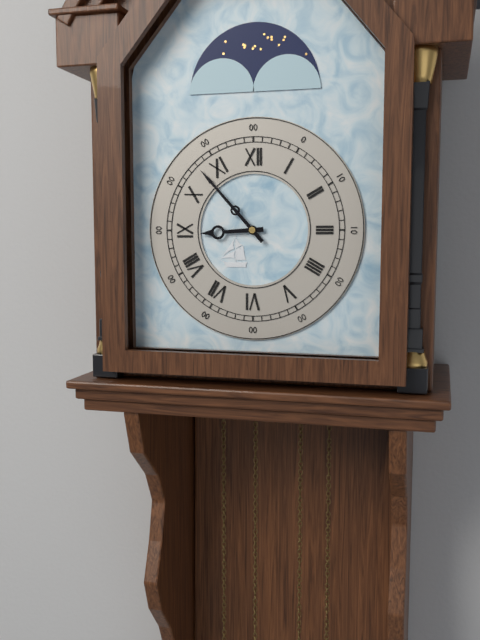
8:53
